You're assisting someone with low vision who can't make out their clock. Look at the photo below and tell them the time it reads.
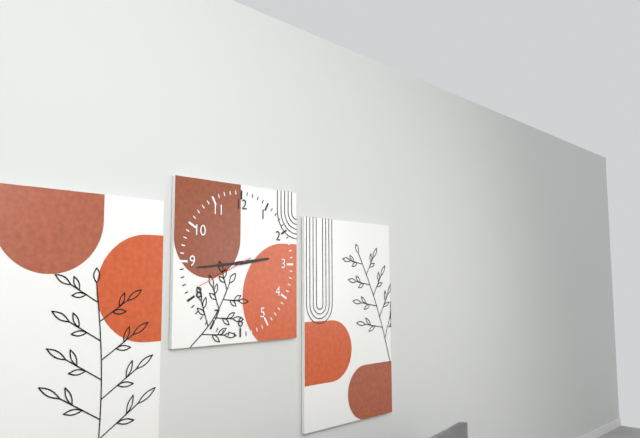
2:44:41
